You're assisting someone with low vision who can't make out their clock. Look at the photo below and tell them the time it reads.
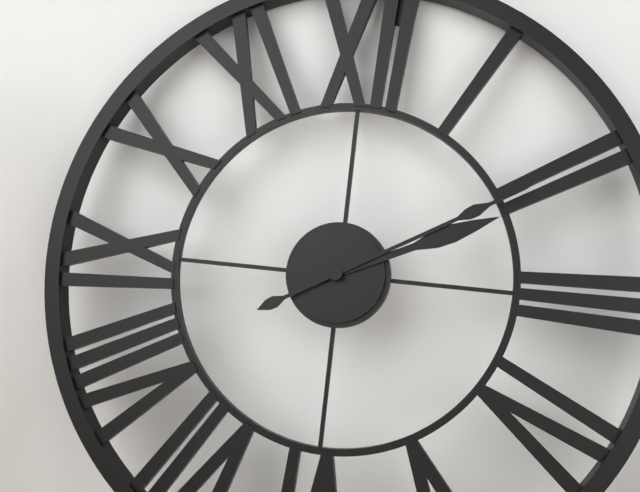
2:10
